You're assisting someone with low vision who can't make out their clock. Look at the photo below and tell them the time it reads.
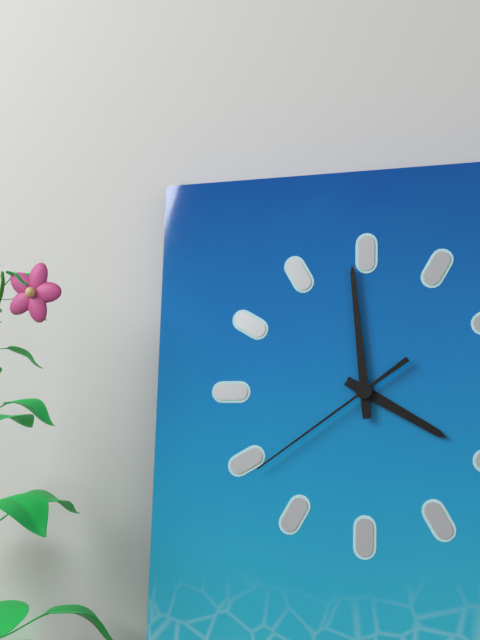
3:59:39
